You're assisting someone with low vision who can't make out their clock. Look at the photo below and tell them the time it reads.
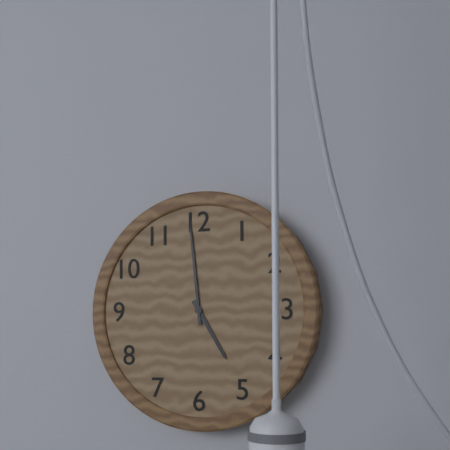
4:59
